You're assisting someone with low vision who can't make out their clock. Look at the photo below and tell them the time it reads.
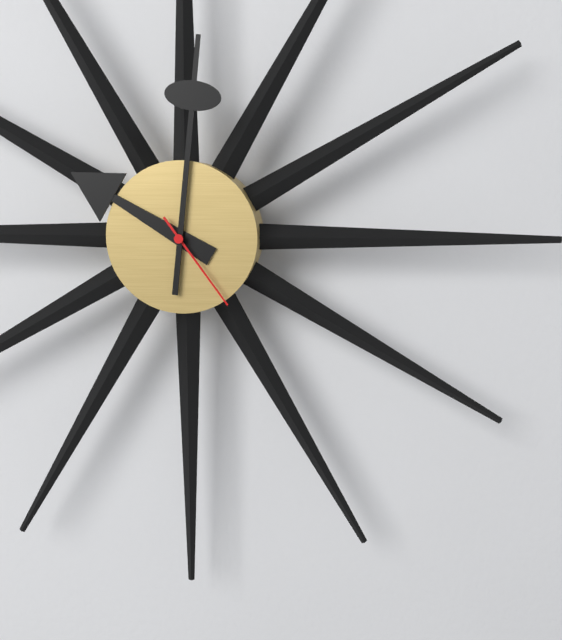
10:01:24
